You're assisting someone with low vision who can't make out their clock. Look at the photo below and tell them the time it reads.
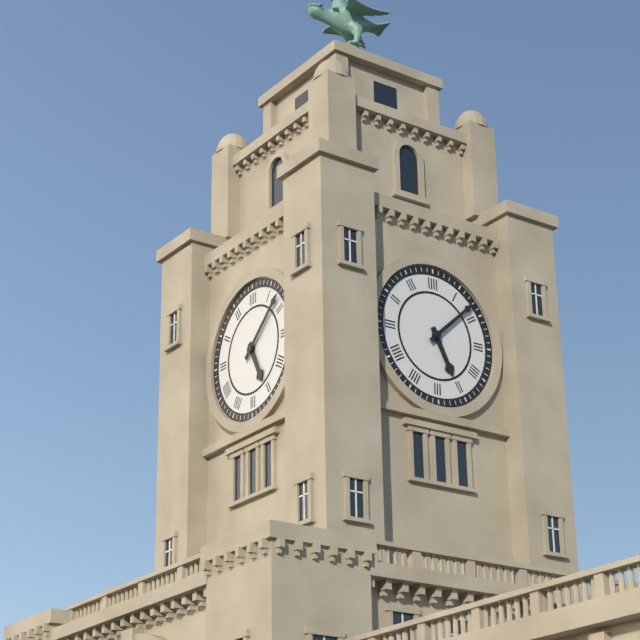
5:08
